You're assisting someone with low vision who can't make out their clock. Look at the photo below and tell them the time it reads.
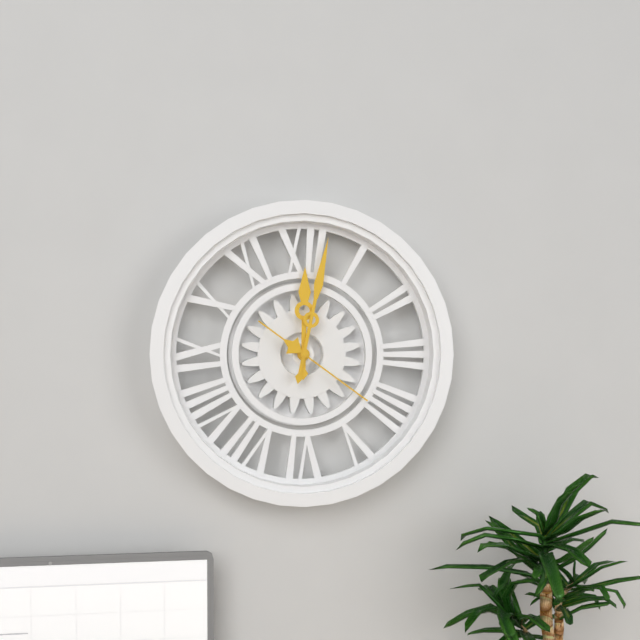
12:02:21
